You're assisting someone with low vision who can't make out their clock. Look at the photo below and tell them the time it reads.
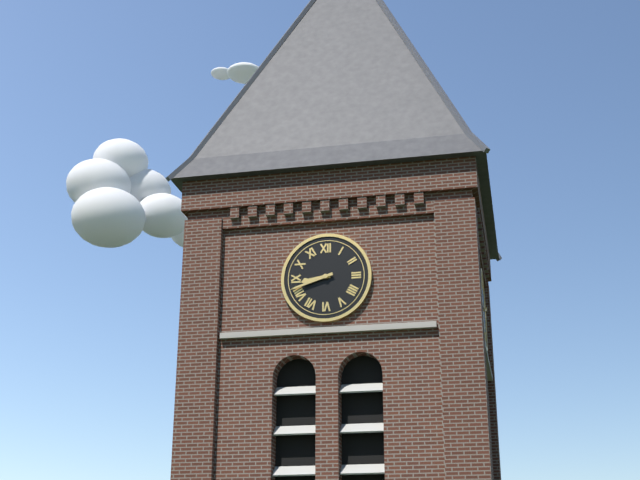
8:42
